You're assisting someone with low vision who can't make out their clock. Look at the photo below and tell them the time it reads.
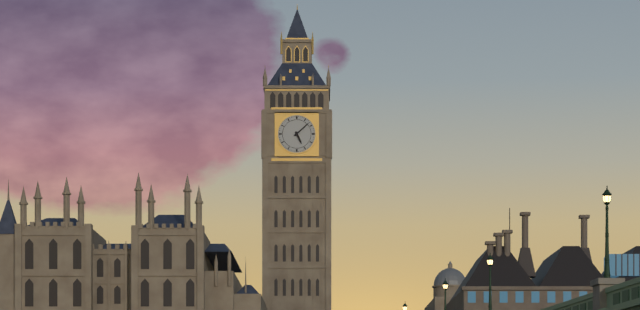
5:08
